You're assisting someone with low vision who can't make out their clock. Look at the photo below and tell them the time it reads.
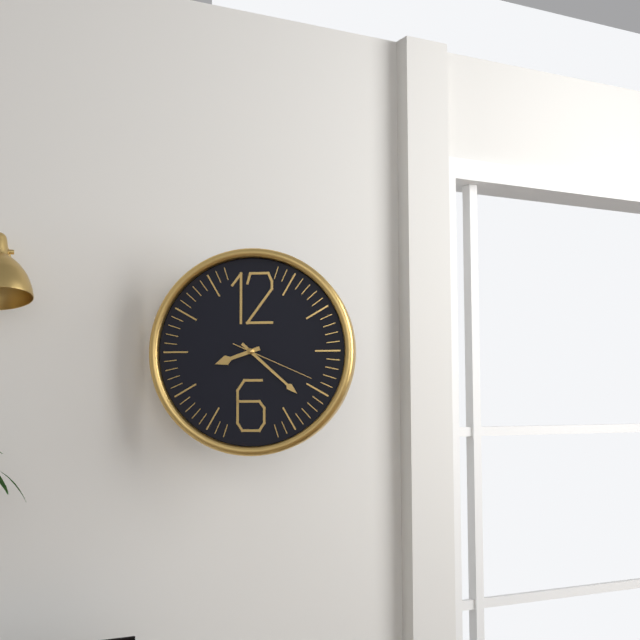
8:22:19
